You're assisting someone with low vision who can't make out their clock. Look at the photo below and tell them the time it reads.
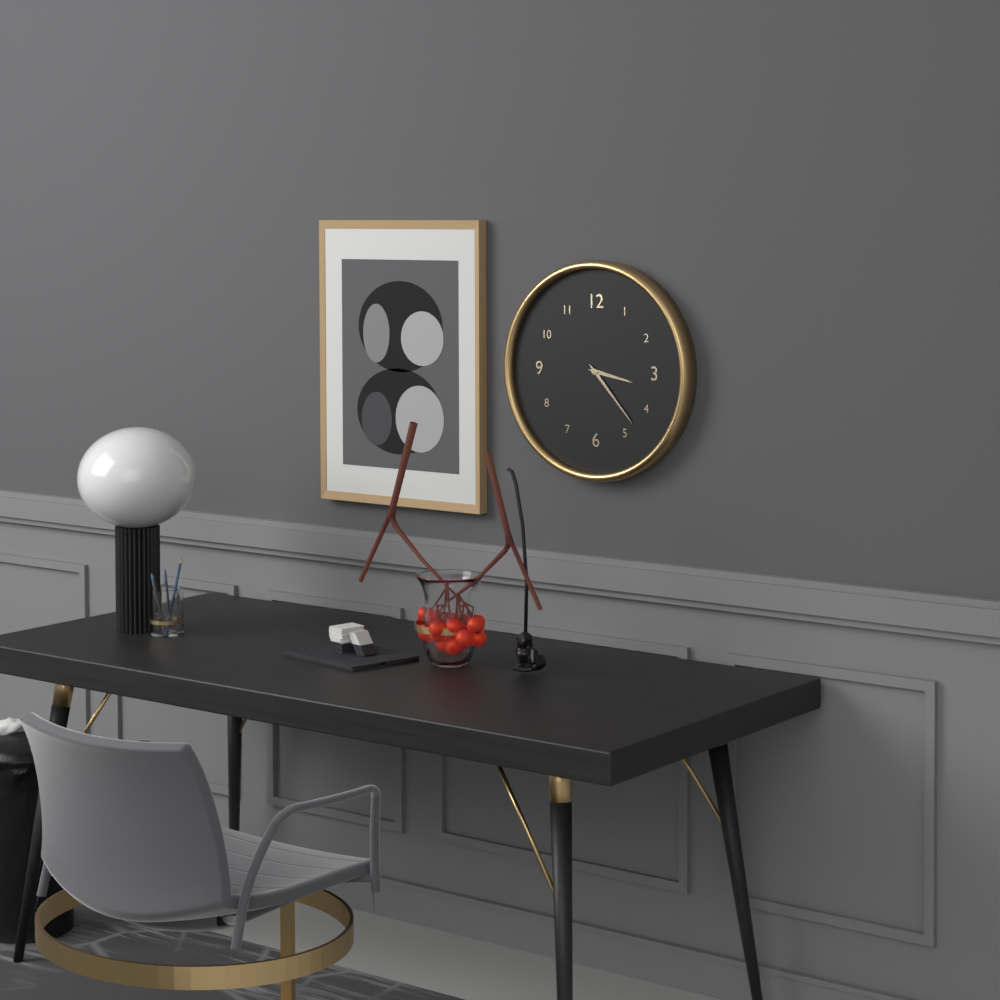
3:23
